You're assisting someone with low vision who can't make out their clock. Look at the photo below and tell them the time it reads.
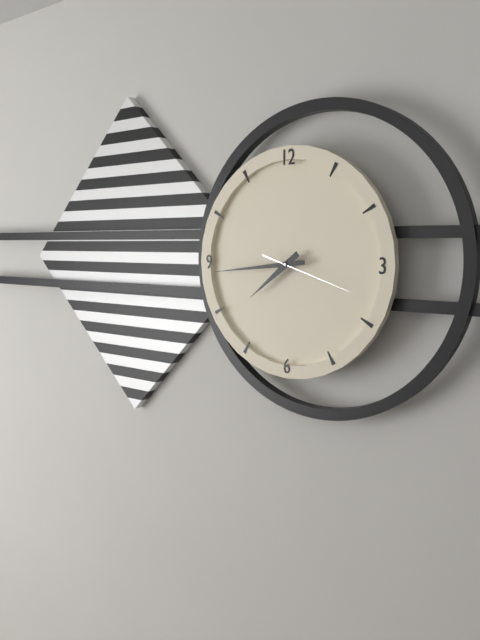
7:44:18
